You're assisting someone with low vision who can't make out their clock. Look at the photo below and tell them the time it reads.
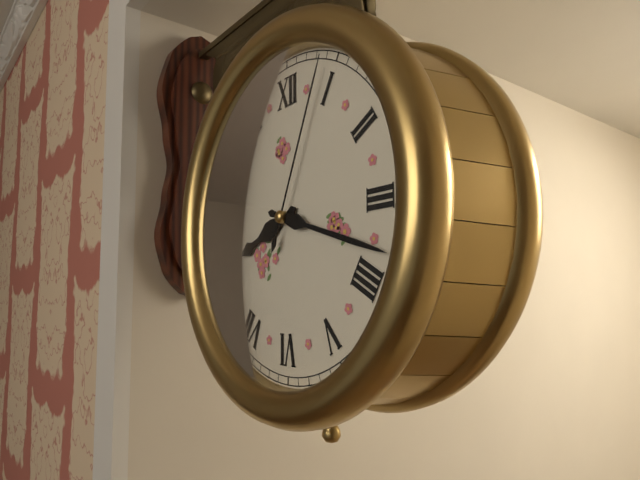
8:18:04
